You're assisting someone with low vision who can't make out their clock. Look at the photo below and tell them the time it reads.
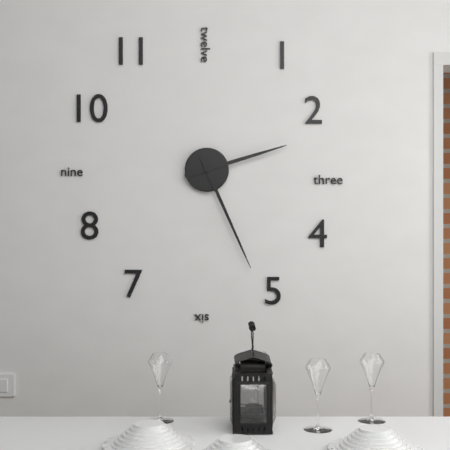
2:26
